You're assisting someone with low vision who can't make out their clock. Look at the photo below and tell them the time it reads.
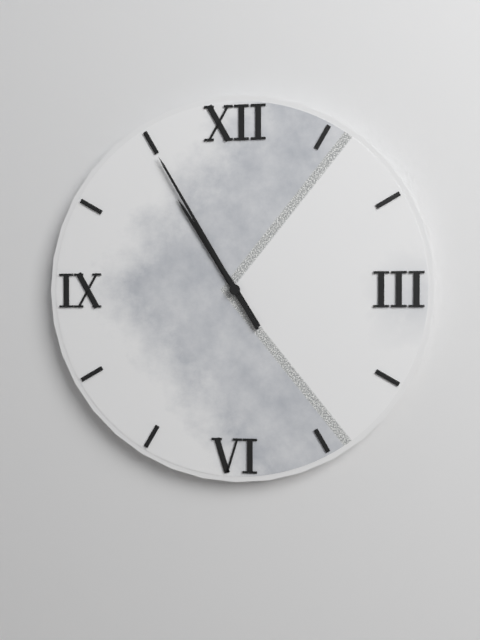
10:55
